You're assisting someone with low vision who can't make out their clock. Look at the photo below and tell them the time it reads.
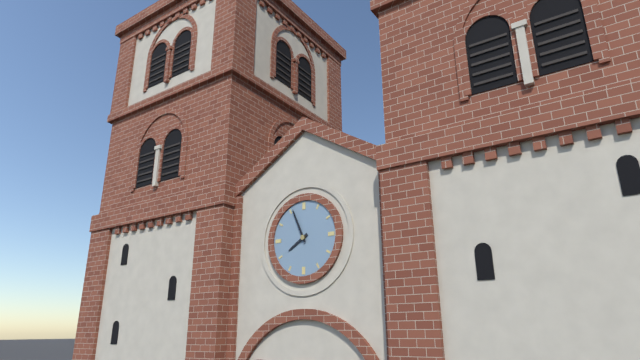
7:56
